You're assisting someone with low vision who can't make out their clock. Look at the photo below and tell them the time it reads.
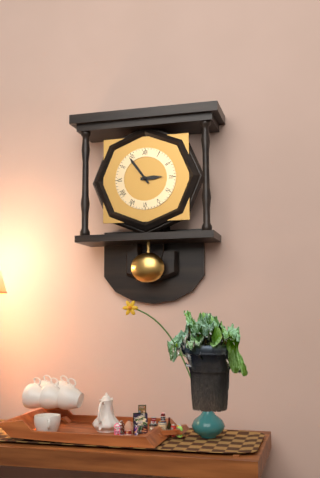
2:54
